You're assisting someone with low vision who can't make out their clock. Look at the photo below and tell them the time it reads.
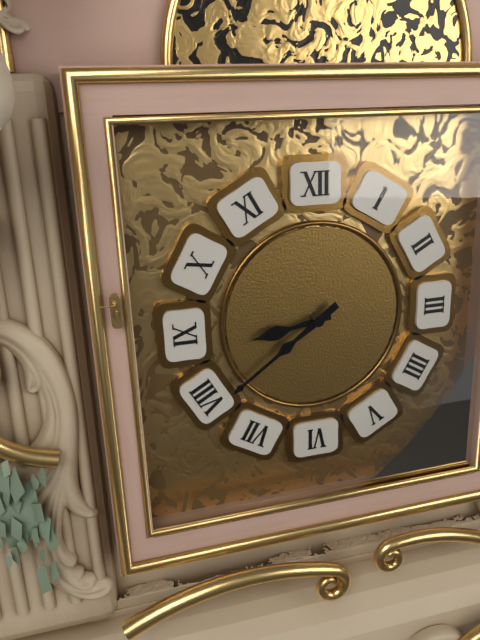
8:39
